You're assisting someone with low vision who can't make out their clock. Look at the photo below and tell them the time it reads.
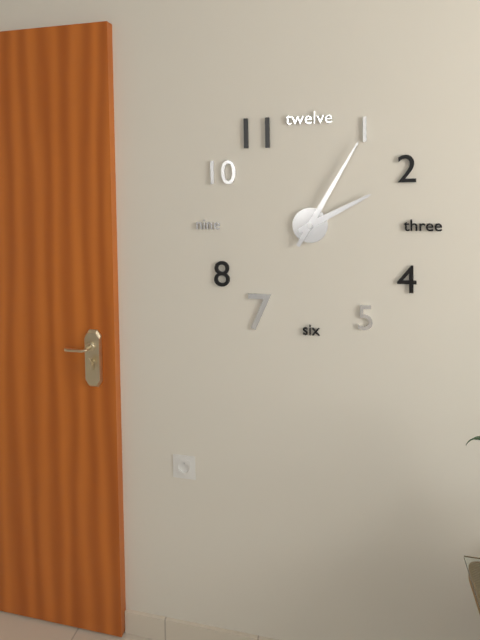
2:05
